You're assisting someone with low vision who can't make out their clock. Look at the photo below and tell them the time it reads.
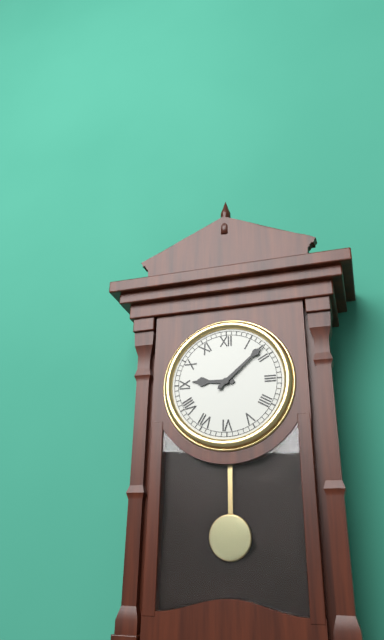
9:08
